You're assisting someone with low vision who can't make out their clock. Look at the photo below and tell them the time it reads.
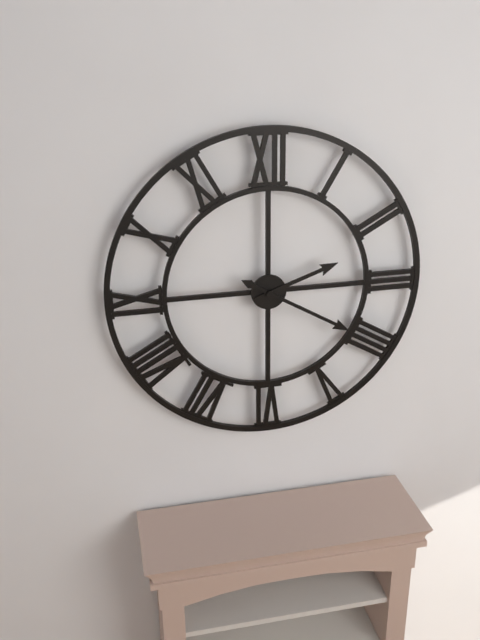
2:20
